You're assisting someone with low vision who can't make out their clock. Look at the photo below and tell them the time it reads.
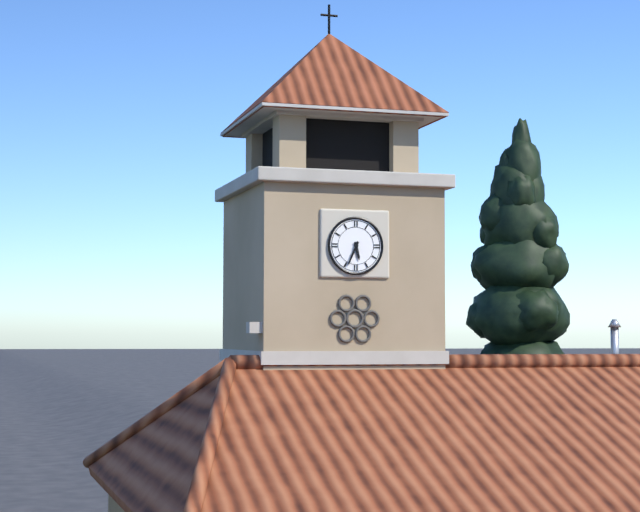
5:34
